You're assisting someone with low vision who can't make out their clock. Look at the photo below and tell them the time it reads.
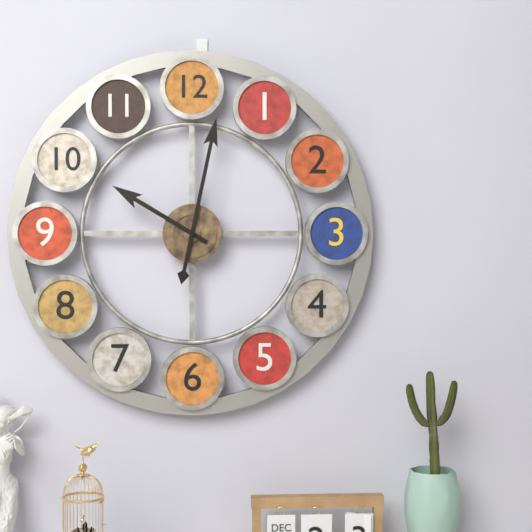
10:02
